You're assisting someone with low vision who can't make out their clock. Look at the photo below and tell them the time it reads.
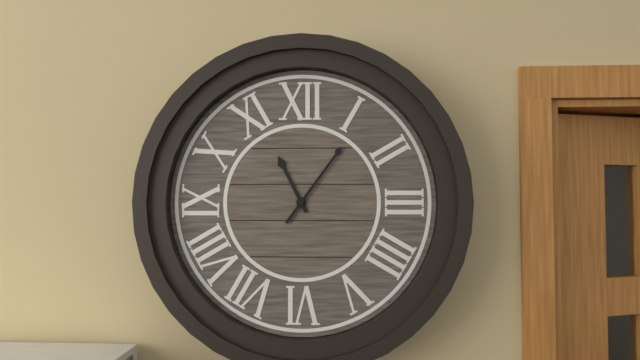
11:06
